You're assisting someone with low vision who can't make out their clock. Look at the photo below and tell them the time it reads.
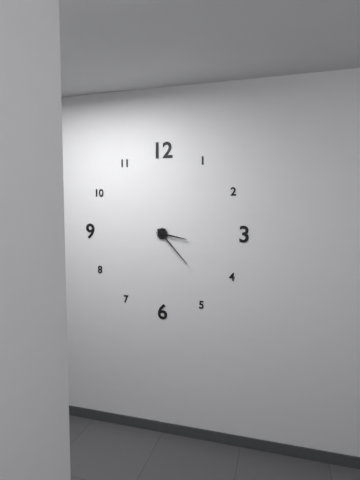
3:23
